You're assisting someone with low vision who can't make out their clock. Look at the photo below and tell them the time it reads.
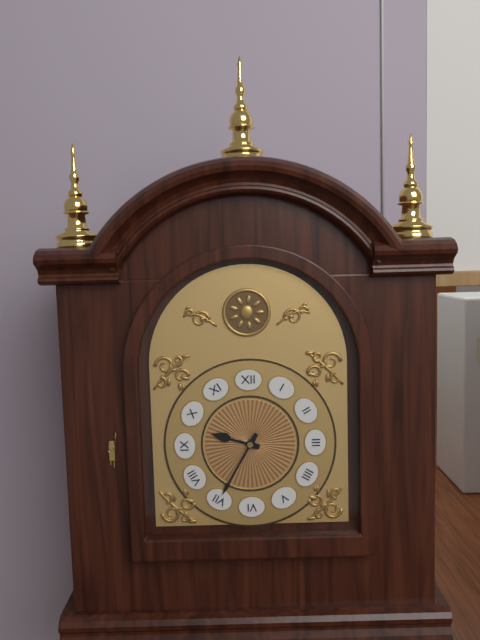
9:35
